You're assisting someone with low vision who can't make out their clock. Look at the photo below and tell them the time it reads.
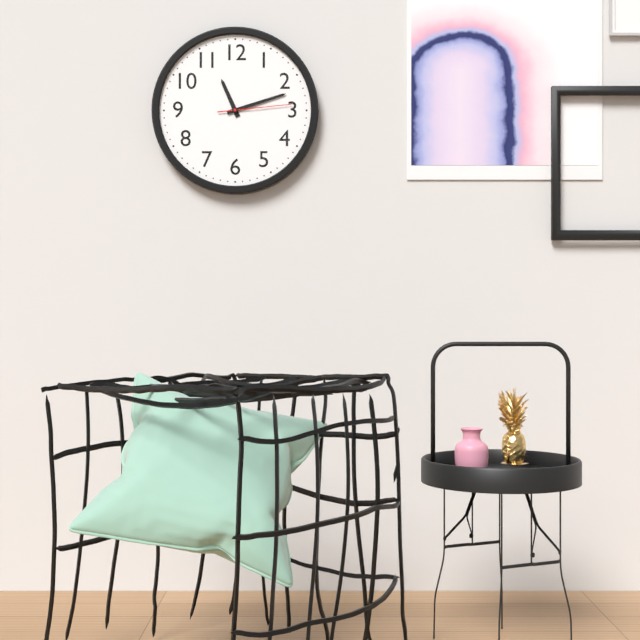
11:12:14
